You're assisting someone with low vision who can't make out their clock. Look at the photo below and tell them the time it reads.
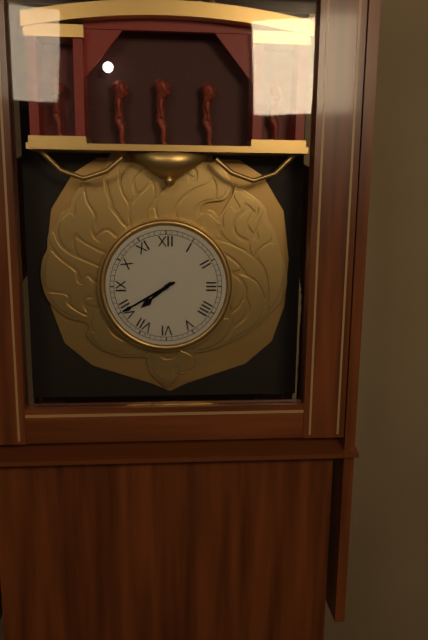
7:40
